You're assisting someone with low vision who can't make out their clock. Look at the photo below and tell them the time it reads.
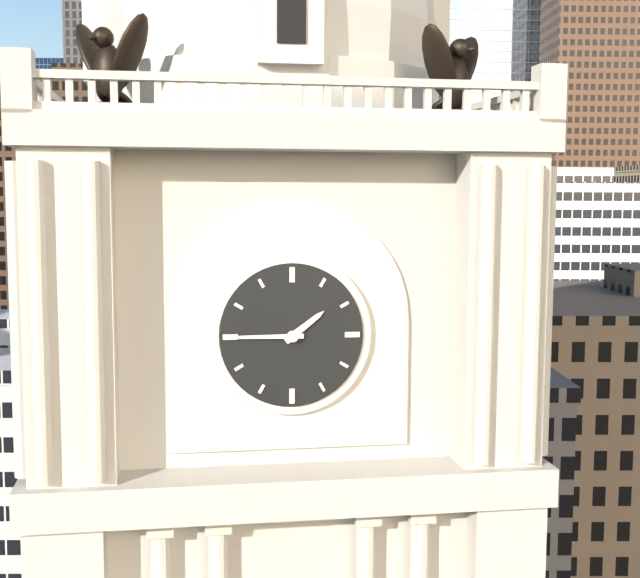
1:45
